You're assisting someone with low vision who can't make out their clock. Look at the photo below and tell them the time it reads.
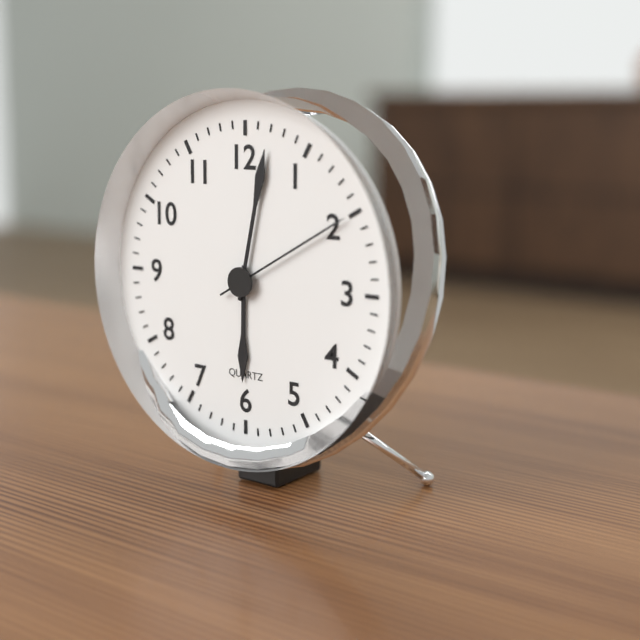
6:02:10
